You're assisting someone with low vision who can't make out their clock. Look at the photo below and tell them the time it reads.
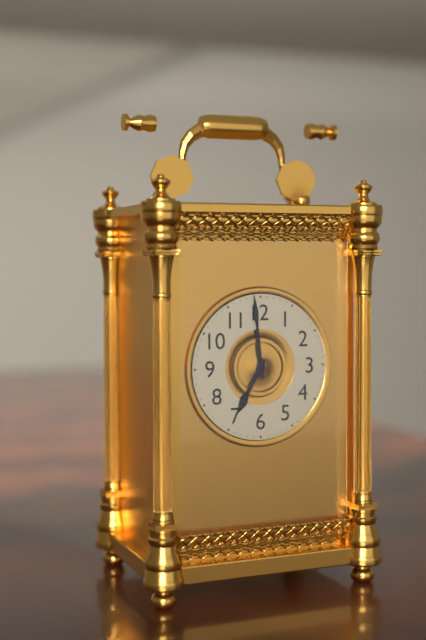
6:59
